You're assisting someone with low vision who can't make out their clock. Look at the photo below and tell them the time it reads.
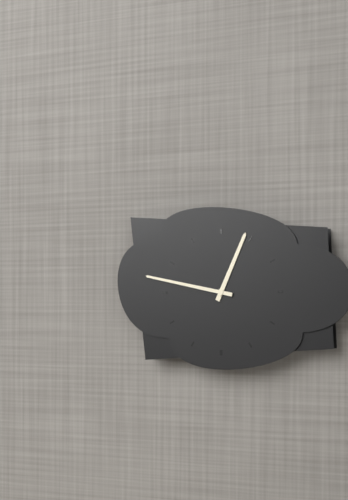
12:47
